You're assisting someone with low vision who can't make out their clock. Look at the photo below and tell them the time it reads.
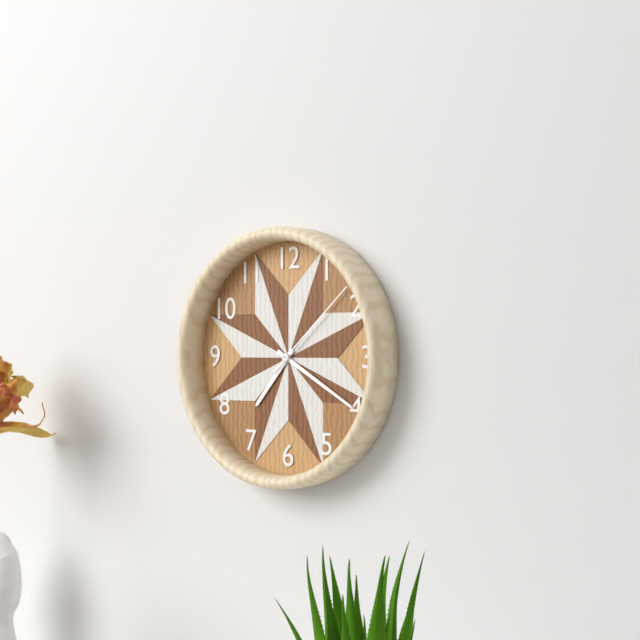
7:20:08
